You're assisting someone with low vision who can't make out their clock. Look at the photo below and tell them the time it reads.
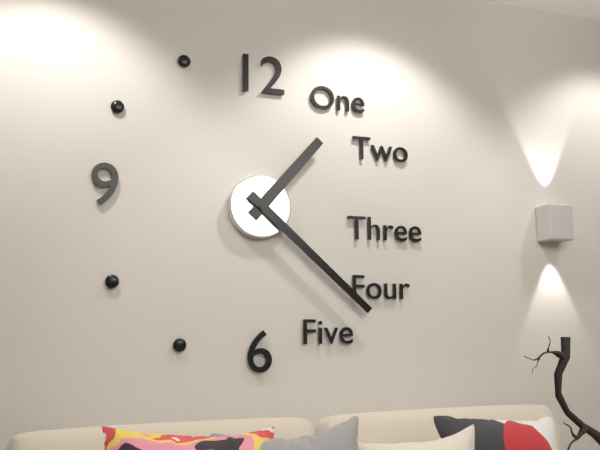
1:22
